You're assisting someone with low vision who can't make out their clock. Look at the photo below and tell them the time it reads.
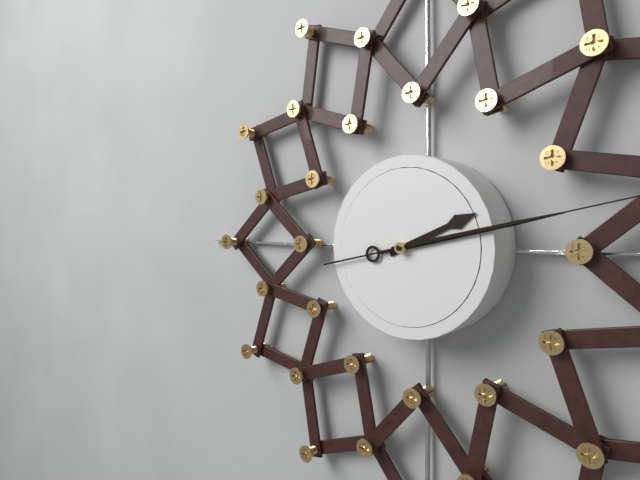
2:13
